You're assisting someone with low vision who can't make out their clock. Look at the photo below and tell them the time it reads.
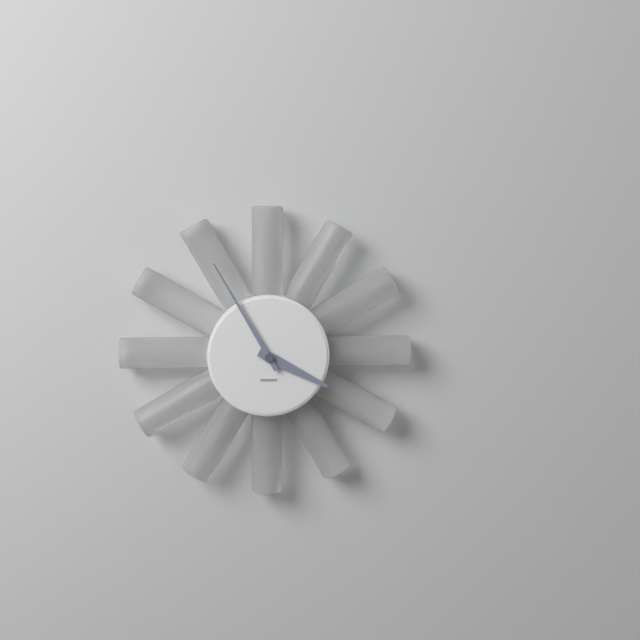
3:55
